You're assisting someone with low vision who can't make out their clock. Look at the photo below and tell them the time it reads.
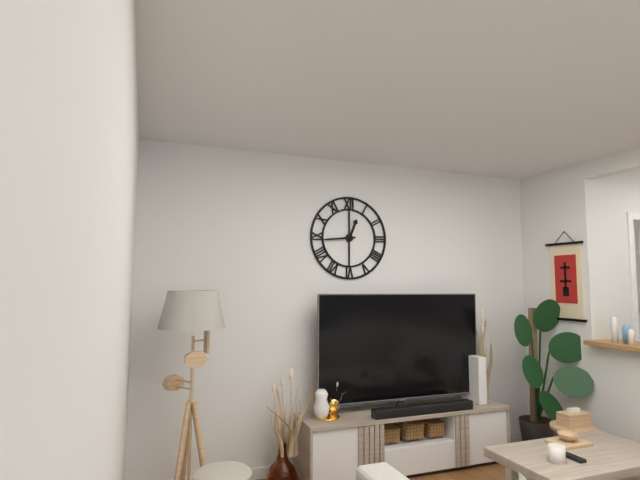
12:44
